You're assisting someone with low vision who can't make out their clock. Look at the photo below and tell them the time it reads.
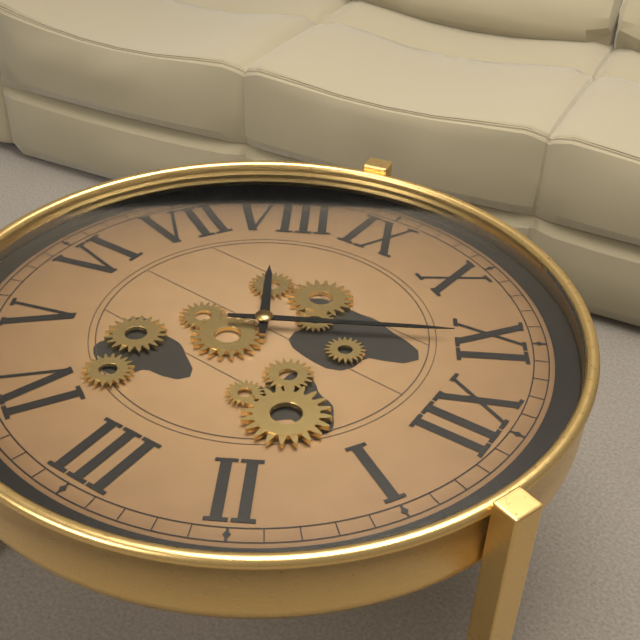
7:55
